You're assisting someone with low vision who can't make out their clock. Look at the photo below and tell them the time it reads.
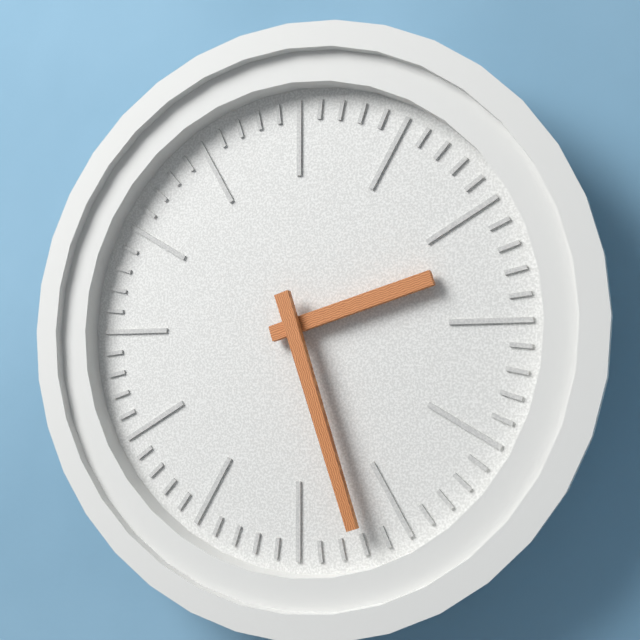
2:27
